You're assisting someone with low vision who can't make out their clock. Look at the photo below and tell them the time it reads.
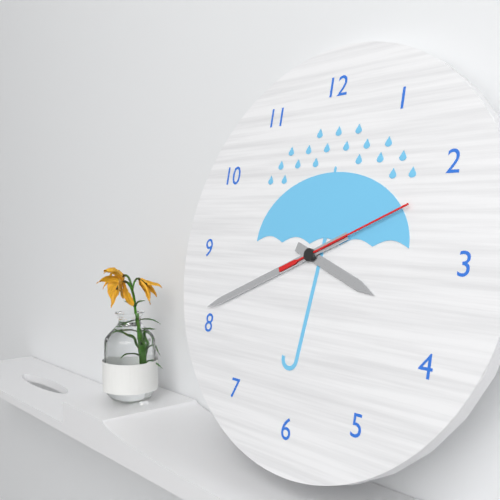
3:41:11
